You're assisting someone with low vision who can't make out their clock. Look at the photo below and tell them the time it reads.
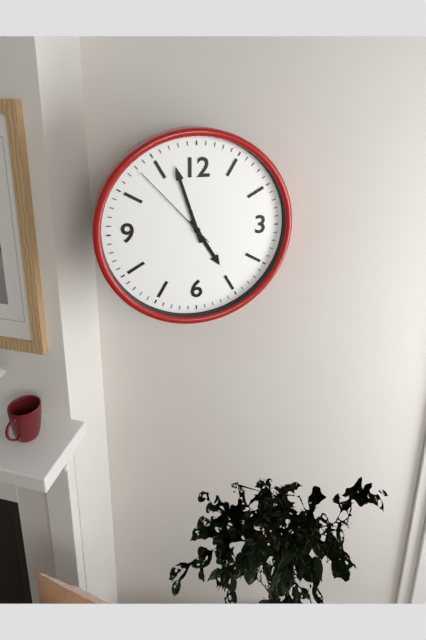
4:57:53
